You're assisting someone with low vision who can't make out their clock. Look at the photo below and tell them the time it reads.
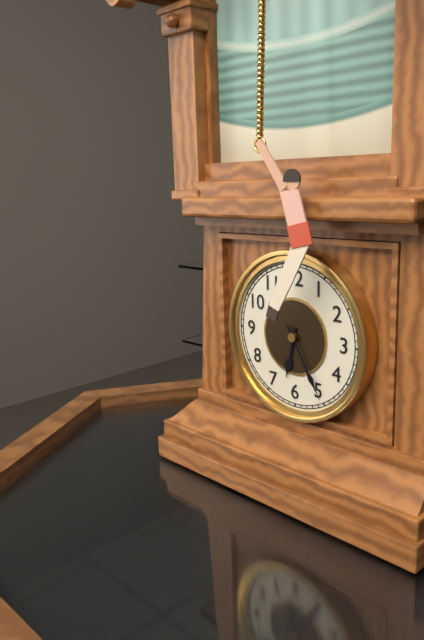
6:25
